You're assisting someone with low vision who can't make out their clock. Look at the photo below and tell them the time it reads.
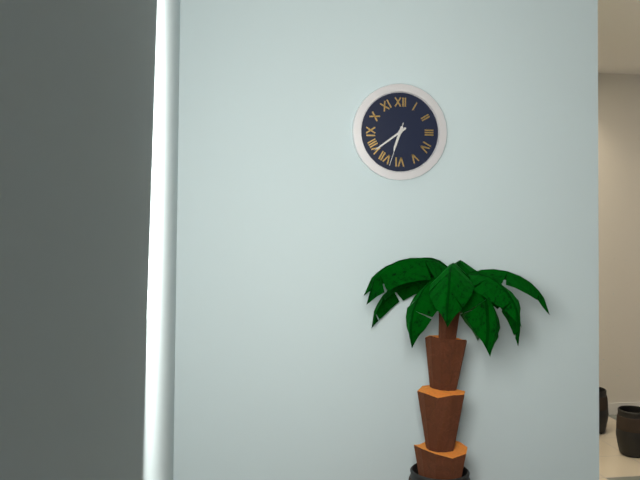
6:39
